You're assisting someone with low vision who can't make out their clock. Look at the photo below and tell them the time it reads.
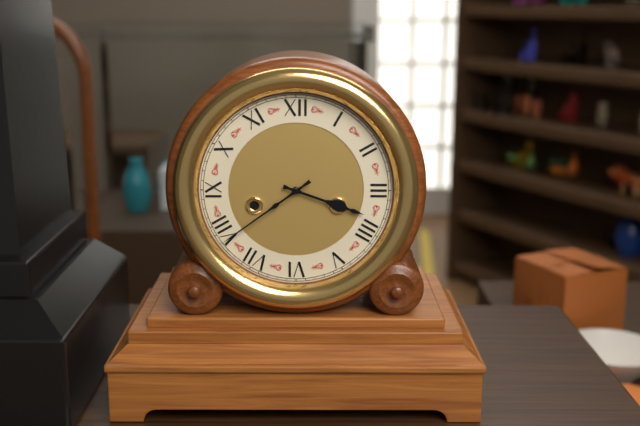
3:39
